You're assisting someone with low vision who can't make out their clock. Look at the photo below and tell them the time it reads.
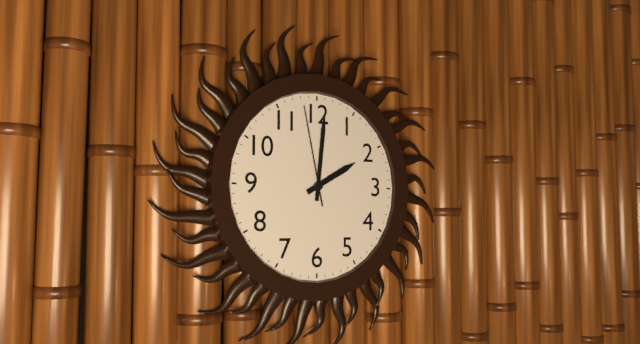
2:01:58
